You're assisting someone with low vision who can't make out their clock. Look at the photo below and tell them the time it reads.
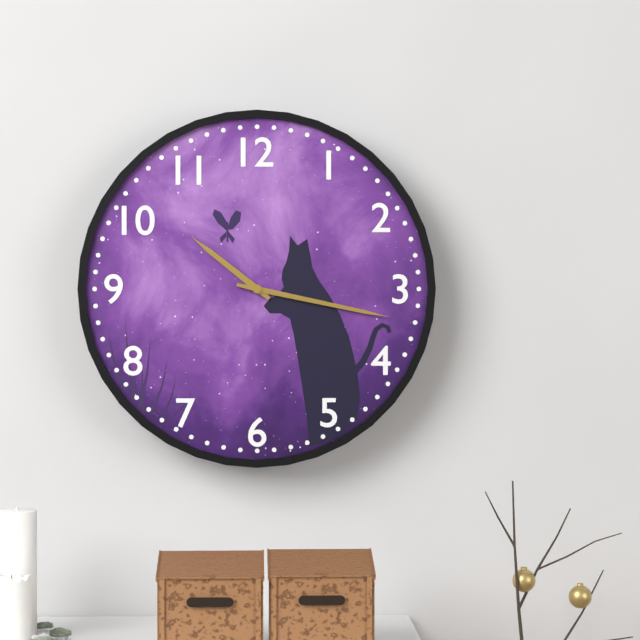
10:17
